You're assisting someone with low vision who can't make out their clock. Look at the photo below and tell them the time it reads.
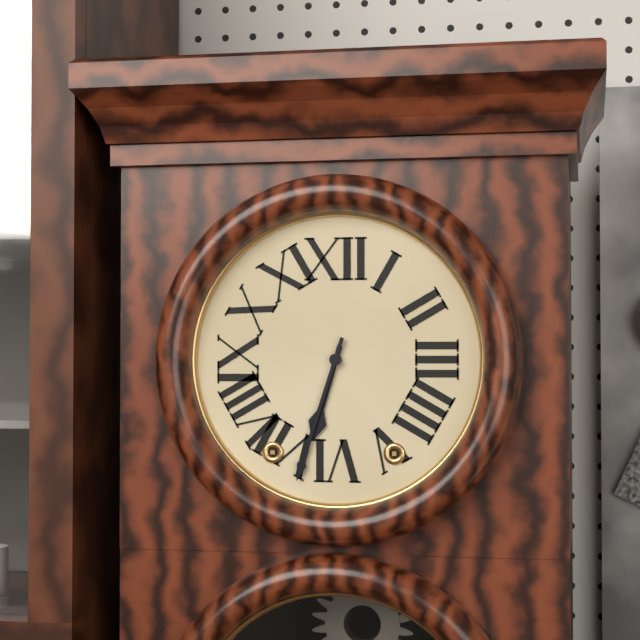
6:33
